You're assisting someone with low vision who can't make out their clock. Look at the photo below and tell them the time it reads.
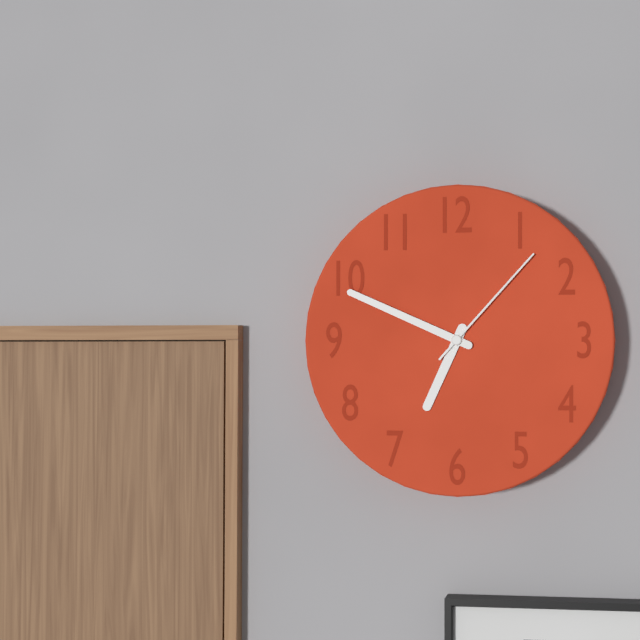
6:49:07
